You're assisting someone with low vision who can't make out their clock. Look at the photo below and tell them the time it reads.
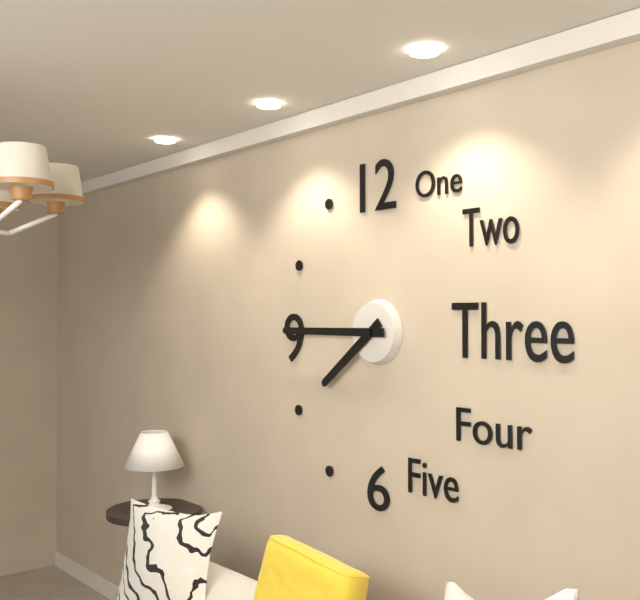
7:45
